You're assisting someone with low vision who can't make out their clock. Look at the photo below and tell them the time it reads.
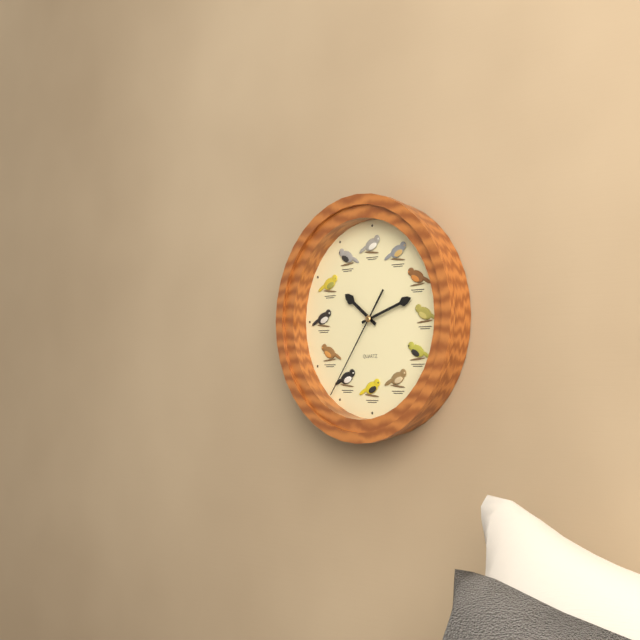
10:12:36
